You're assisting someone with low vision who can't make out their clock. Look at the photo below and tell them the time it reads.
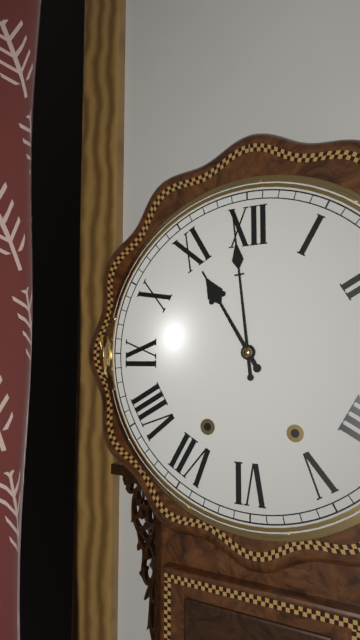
10:59
